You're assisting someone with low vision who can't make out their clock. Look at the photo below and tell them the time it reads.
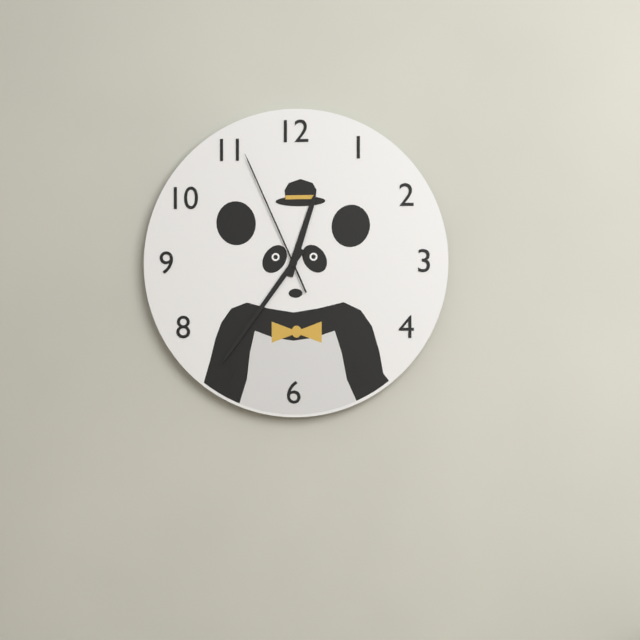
12:36:56
